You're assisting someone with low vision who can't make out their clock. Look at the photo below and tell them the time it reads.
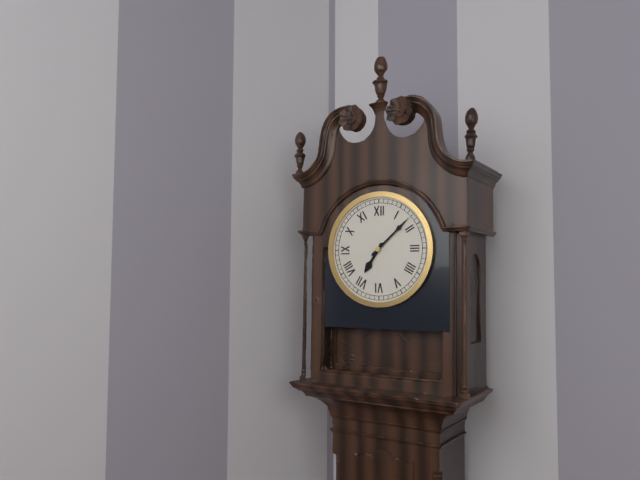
7:08
